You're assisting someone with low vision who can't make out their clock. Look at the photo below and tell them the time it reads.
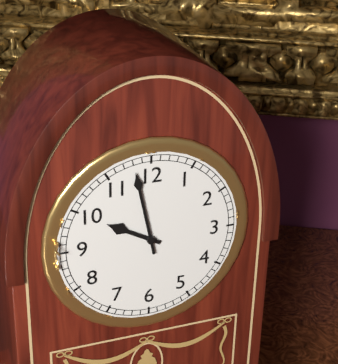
9:58
